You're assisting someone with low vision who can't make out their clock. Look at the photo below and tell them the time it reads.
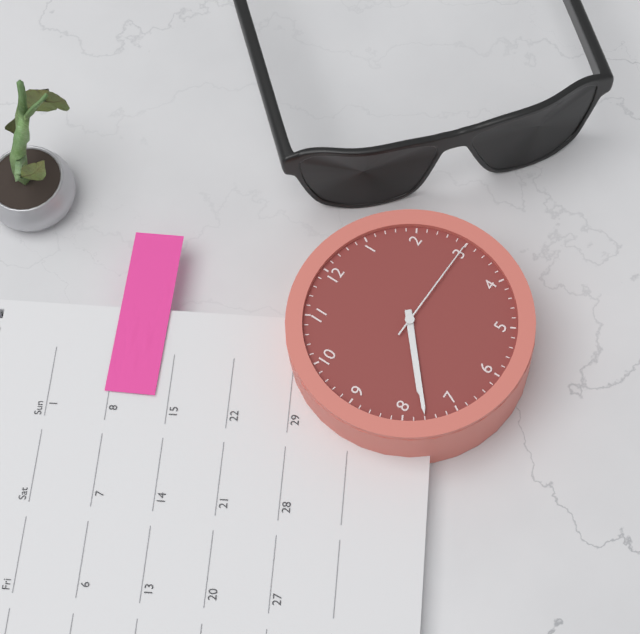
7:38:15
